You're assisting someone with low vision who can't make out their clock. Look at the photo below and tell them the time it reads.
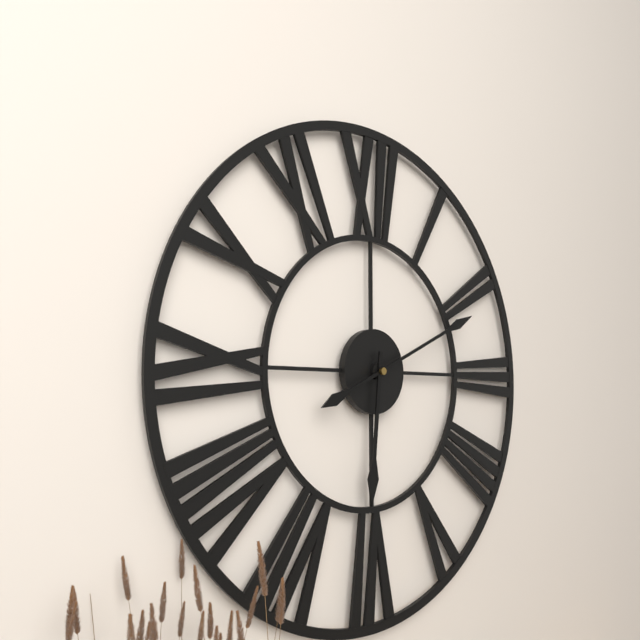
6:11
